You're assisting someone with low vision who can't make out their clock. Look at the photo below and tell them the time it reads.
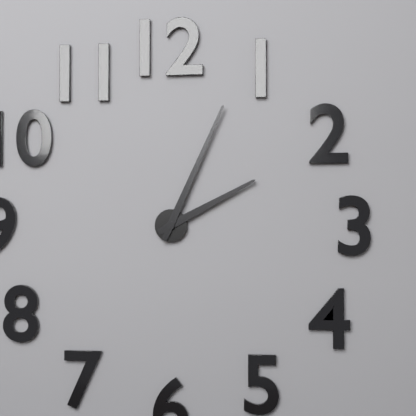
2:04
